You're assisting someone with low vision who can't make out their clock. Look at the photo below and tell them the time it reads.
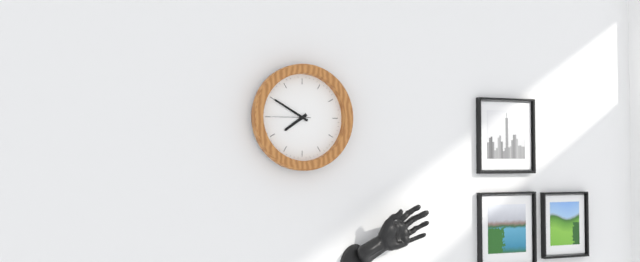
7:50
